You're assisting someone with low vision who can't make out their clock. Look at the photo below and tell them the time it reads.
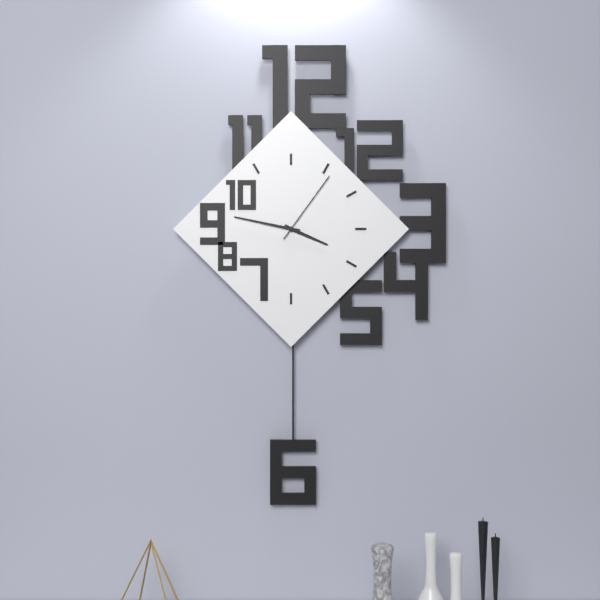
3:47:06
